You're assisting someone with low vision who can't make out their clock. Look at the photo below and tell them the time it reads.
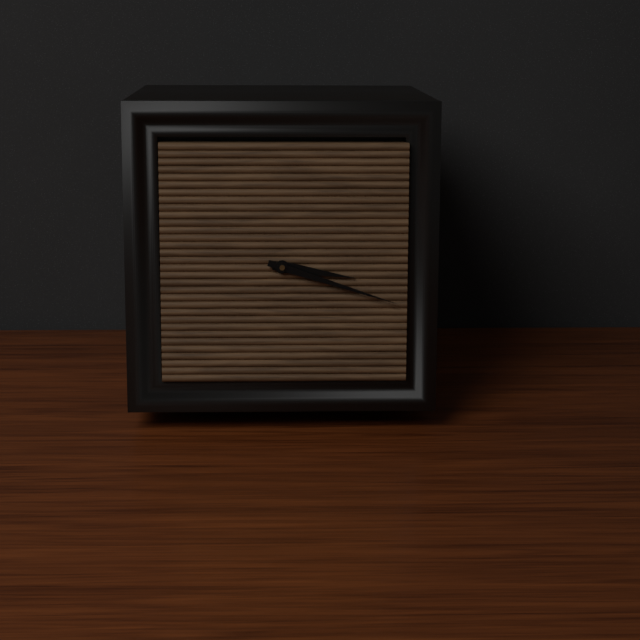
3:18
